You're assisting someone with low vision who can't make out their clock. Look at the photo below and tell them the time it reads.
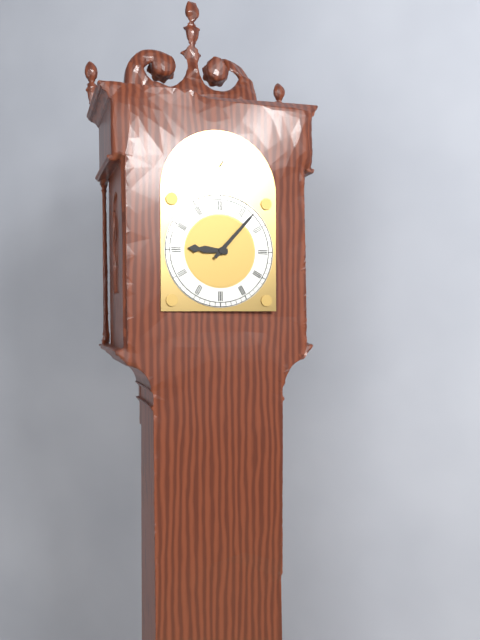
9:07
